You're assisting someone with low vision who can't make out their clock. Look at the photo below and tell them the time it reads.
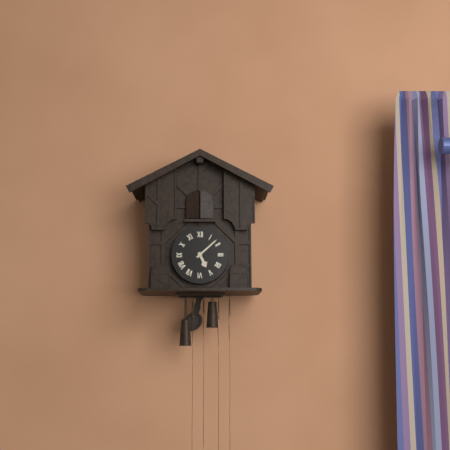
5:08
